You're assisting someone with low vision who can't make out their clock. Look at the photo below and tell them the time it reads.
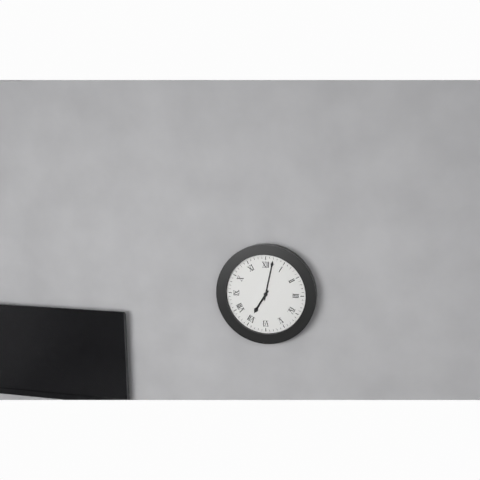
7:02
